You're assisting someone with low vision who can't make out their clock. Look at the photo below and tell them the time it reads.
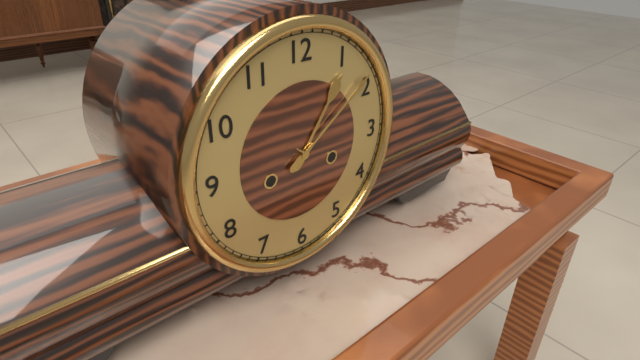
1:09
